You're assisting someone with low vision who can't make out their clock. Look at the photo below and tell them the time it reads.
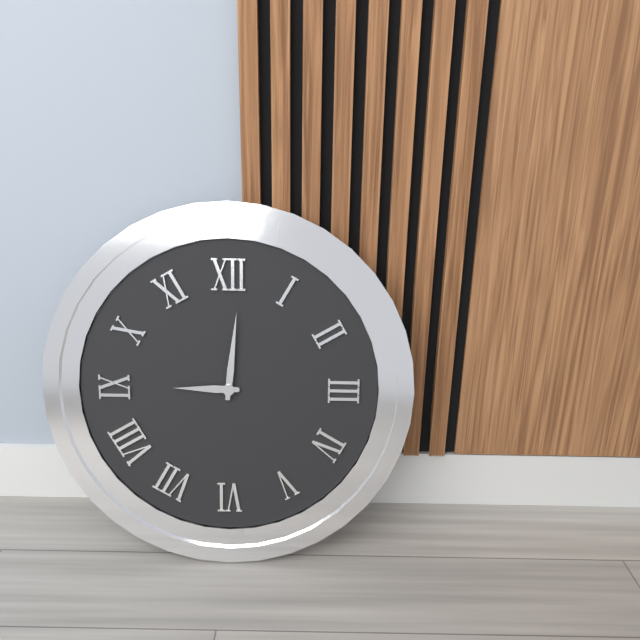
9:01
